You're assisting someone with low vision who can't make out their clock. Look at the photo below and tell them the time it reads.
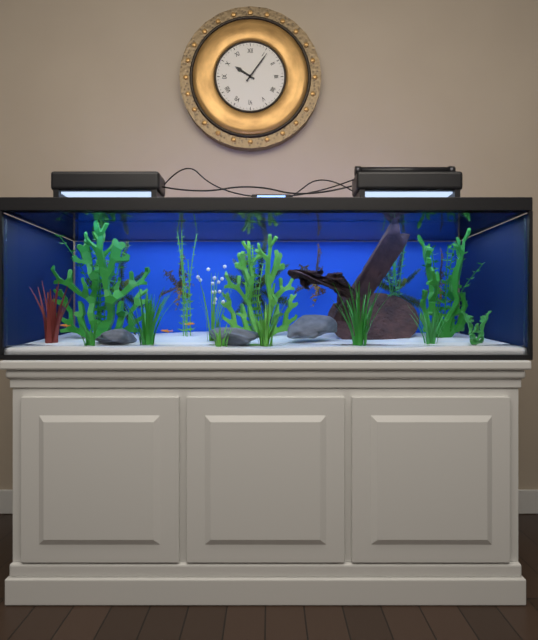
10:06
